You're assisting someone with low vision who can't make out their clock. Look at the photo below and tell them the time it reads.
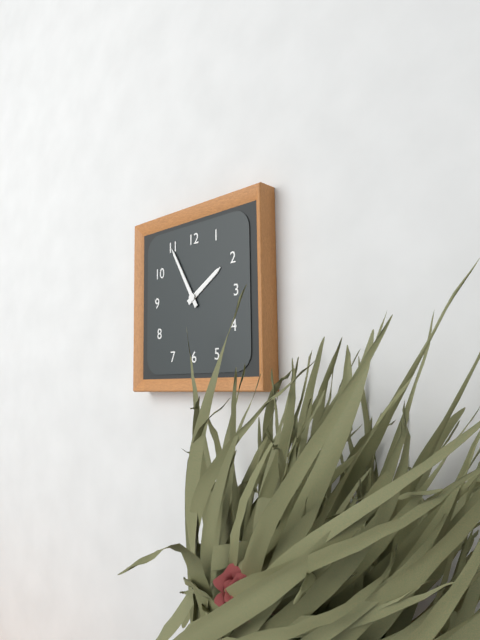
1:55
